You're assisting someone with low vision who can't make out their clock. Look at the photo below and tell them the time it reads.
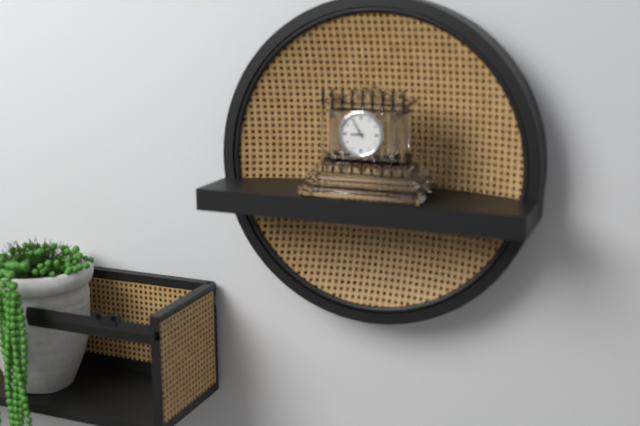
8:55
